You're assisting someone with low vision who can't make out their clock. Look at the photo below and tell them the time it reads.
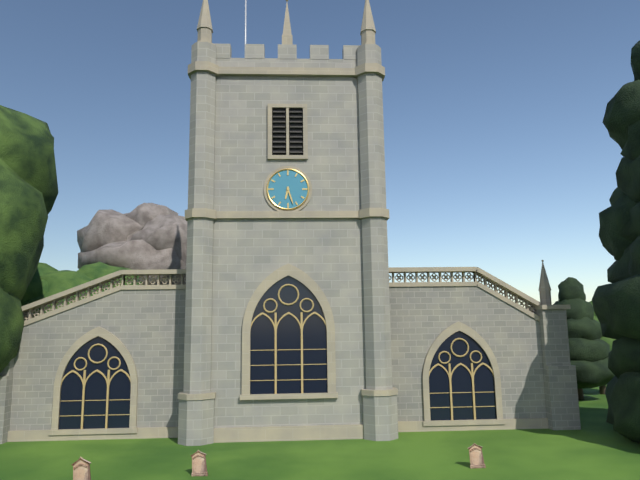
6:27
